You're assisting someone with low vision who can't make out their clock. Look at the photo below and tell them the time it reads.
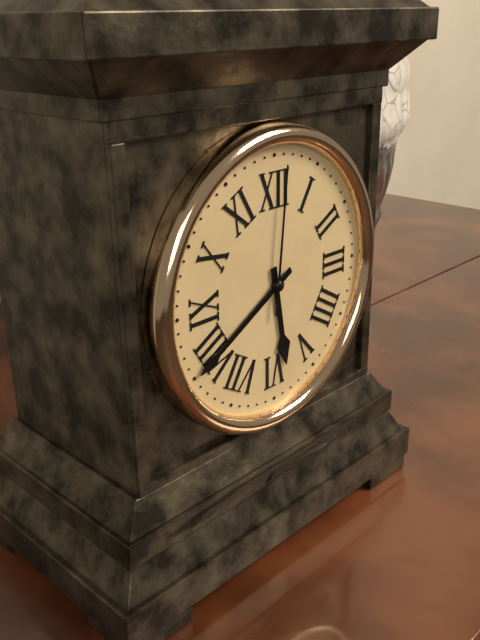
5:40:01
